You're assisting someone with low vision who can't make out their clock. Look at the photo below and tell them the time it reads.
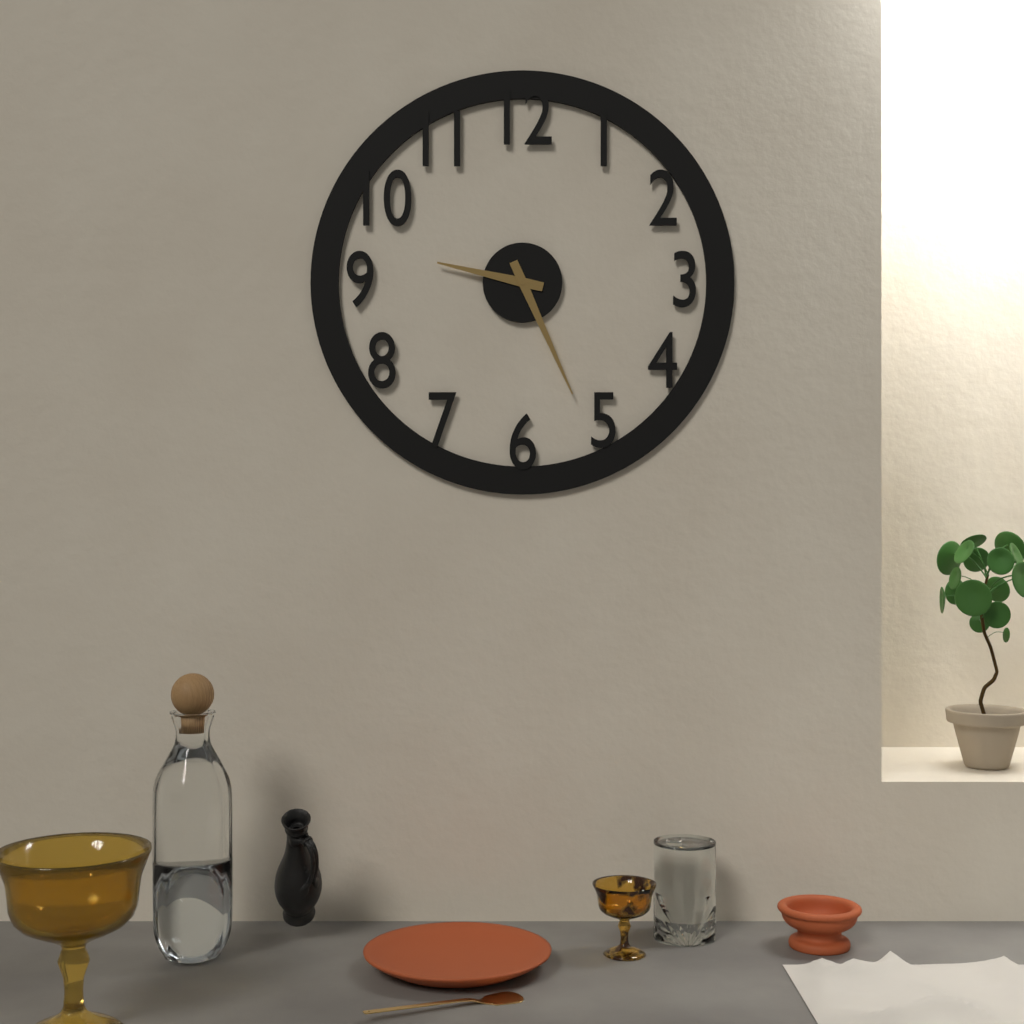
9:26
